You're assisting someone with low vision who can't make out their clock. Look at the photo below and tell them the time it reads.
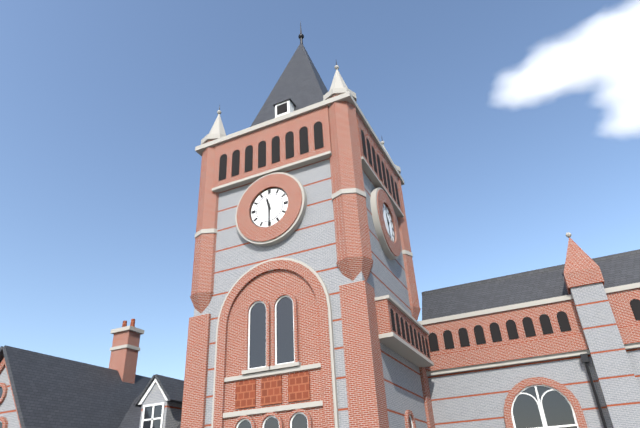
11:30
